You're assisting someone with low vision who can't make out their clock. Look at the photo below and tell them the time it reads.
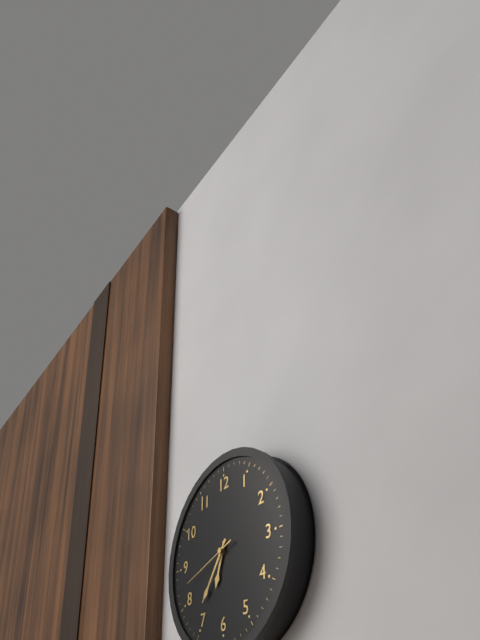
6:36:42
